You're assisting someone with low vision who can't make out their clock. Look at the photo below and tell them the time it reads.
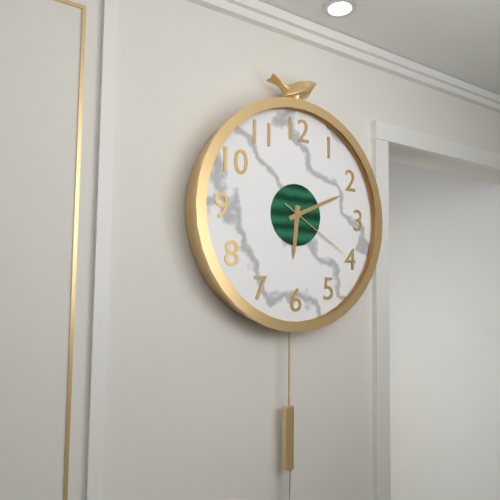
6:11:20
